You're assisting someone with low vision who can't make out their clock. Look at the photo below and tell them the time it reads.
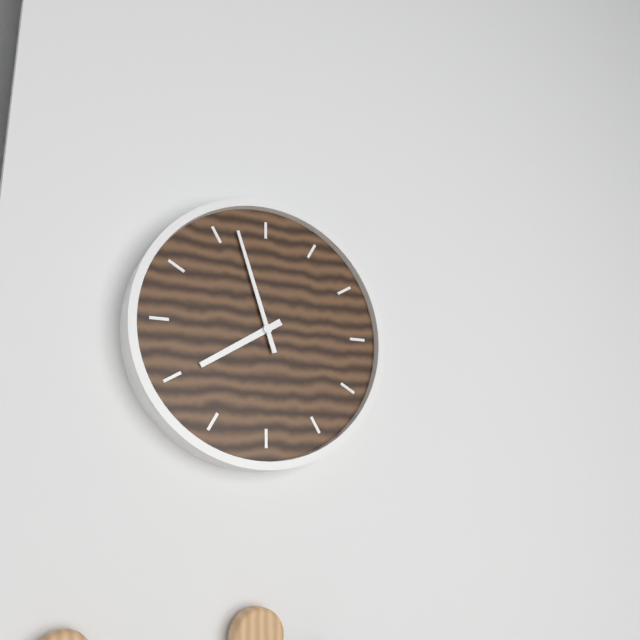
7:57
